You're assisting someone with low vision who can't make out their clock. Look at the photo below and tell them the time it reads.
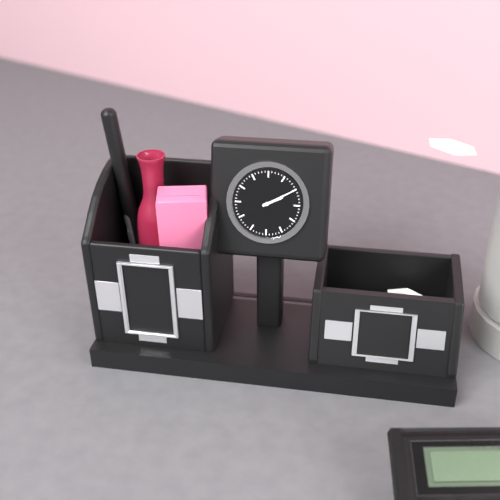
2:10
